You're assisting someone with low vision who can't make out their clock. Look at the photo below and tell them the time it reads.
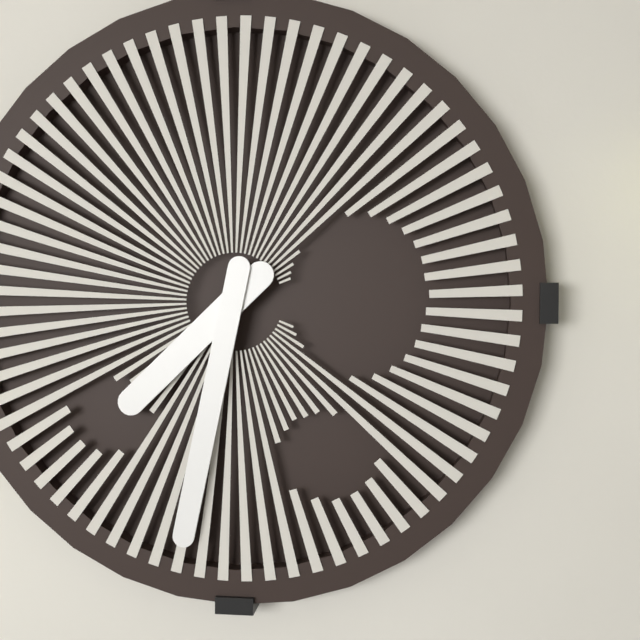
7:32
